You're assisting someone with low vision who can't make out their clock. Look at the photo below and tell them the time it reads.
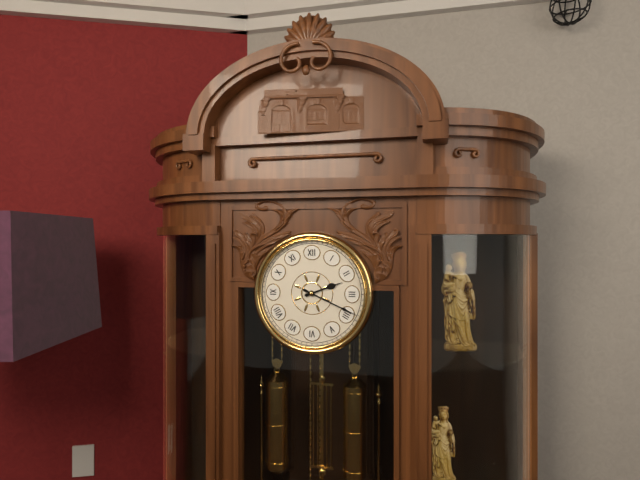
2:19
